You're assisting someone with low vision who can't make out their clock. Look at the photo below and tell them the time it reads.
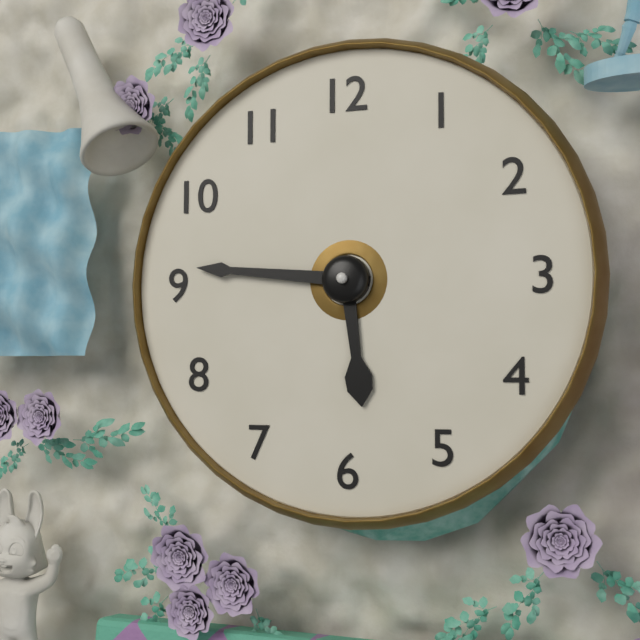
5:46
